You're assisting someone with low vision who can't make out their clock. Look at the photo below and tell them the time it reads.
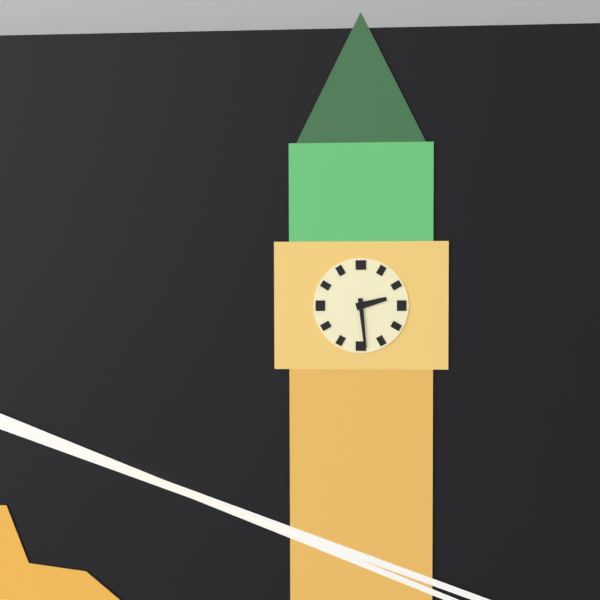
2:29
